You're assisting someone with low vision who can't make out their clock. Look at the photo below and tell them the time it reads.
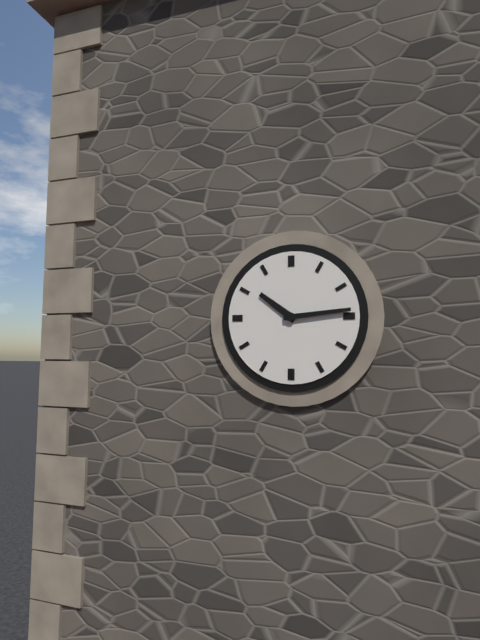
10:14
